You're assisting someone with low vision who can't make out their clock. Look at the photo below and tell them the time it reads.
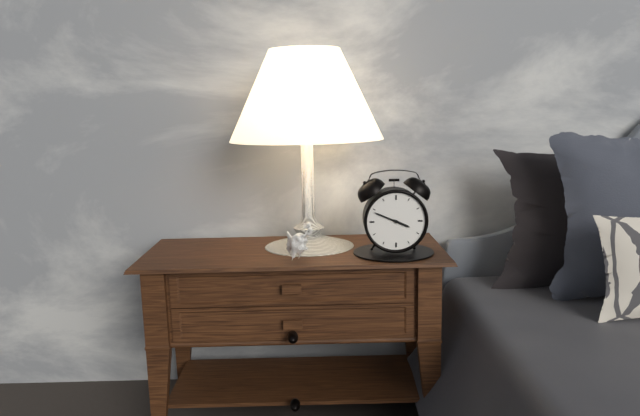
3:49
